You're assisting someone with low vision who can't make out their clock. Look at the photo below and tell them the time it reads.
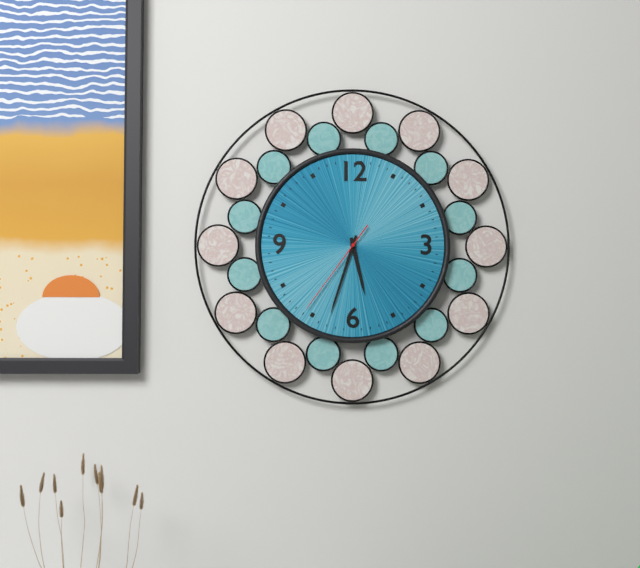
5:33:36
